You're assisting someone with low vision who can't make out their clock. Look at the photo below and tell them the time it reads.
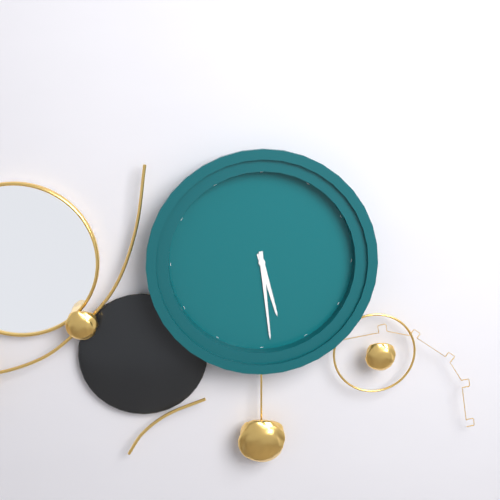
5:29
